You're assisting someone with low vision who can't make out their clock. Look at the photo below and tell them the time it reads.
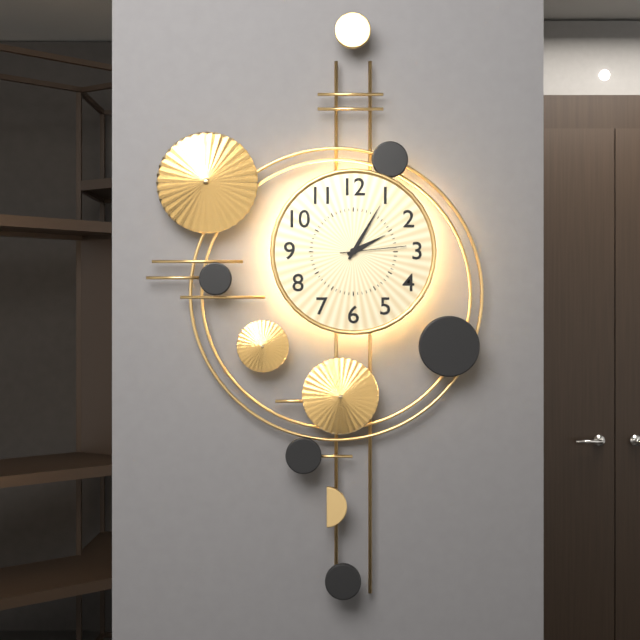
2:05:14
